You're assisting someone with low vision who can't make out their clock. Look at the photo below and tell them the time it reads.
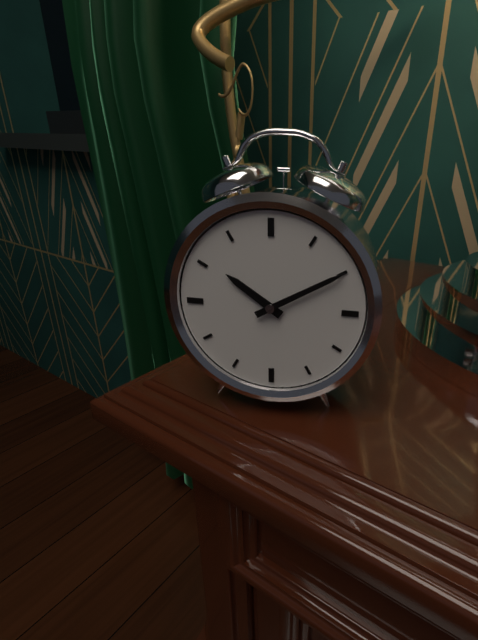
10:10
